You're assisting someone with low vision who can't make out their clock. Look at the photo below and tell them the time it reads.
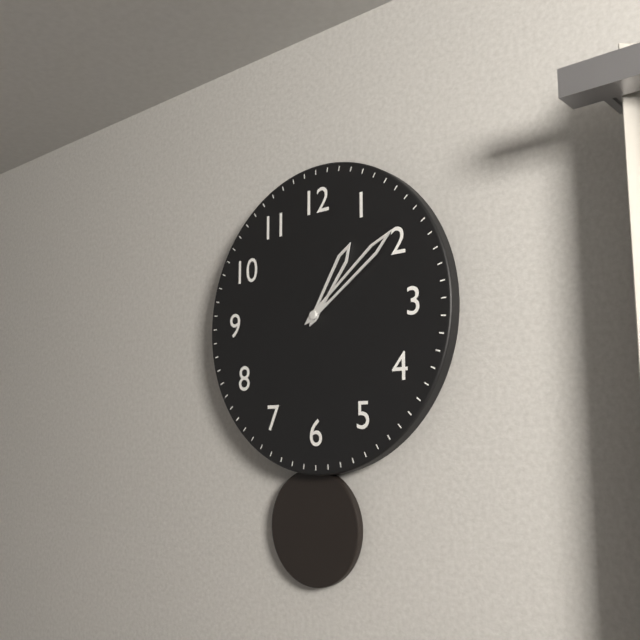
1:09
